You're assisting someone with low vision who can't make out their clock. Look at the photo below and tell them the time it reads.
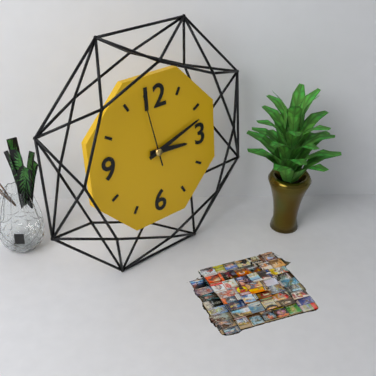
3:12:58
